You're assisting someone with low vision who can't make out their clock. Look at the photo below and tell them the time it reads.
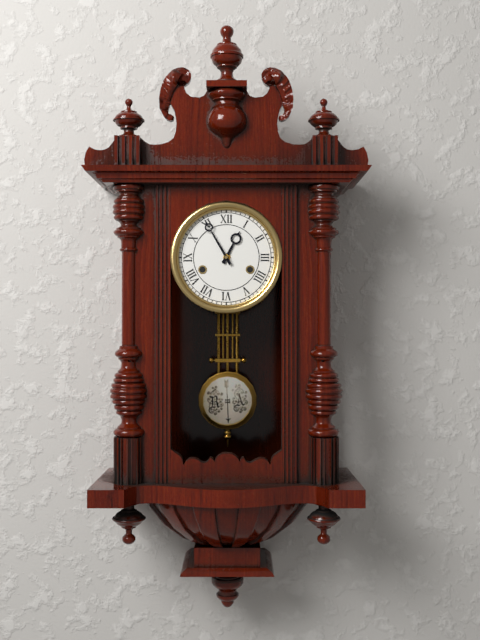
12:55
